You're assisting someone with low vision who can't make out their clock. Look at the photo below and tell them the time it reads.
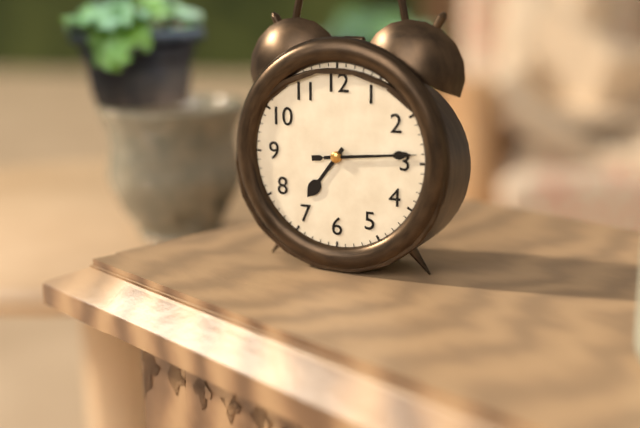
7:14:14
